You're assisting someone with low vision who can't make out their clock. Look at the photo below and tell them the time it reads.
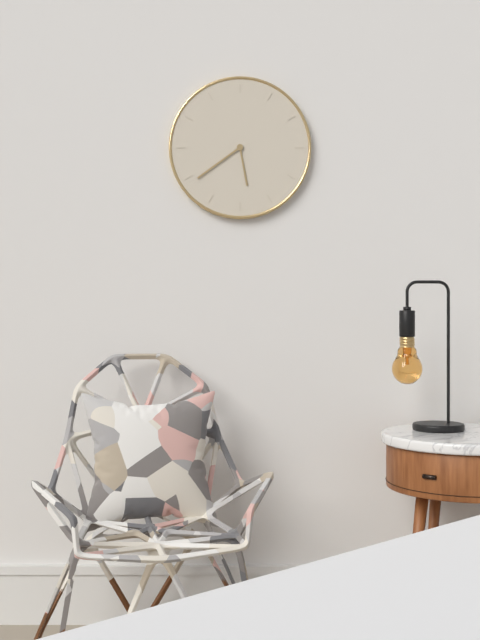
5:39
